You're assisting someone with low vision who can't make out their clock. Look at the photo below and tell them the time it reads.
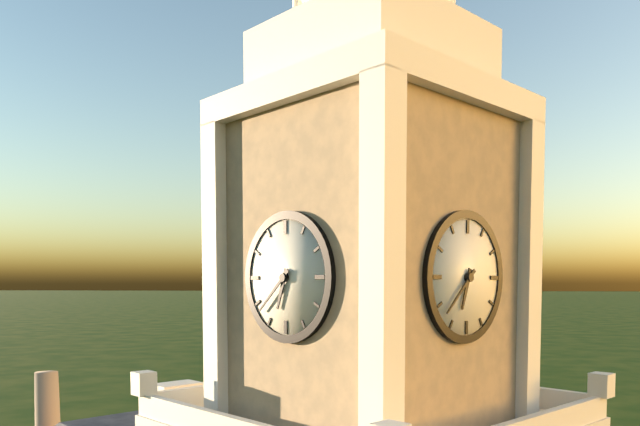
6:38
